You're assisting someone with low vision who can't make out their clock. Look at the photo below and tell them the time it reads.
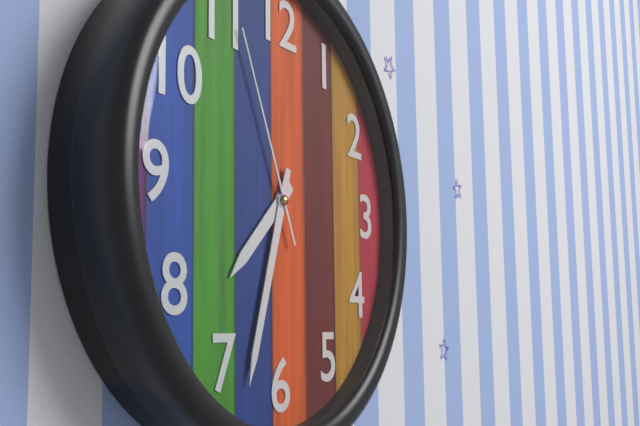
7:33:56
